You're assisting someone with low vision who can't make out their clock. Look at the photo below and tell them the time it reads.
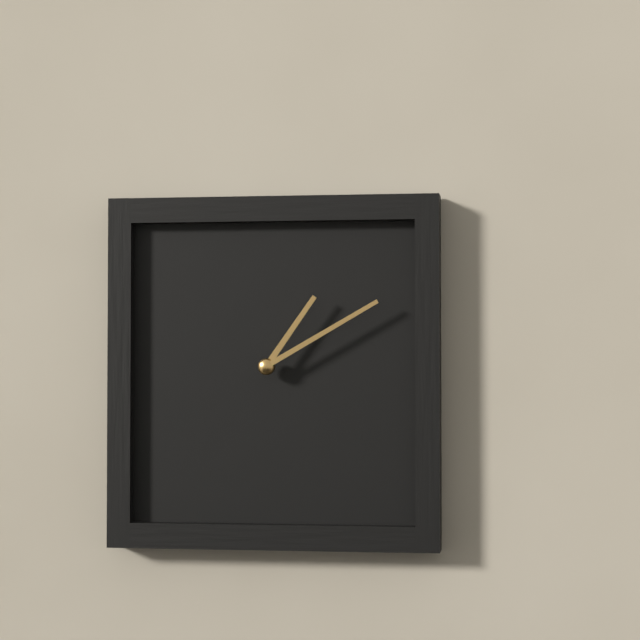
1:10
